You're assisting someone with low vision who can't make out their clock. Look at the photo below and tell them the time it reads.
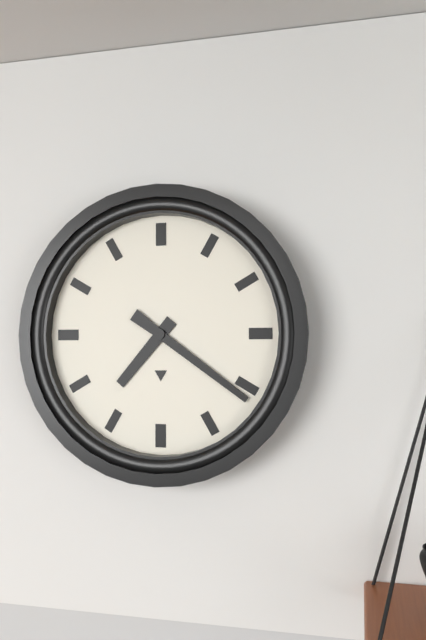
7:21
